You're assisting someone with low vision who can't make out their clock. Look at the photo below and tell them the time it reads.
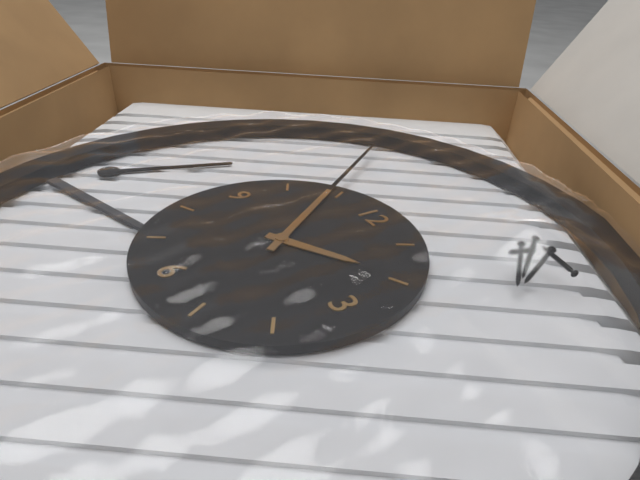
1:54
